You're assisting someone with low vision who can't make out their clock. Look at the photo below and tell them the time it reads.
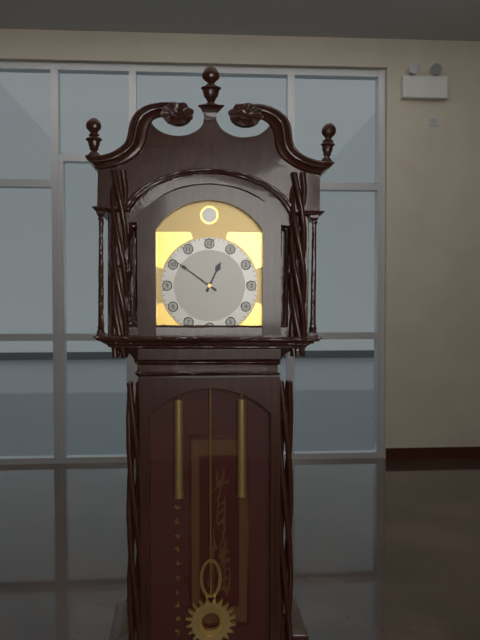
12:51
